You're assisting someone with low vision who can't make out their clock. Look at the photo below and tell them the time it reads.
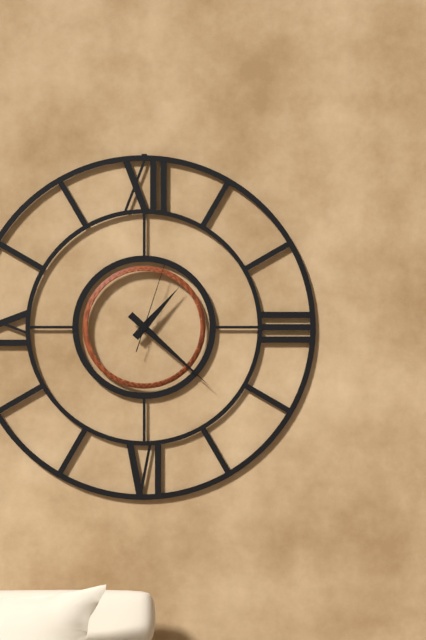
1:22:03
